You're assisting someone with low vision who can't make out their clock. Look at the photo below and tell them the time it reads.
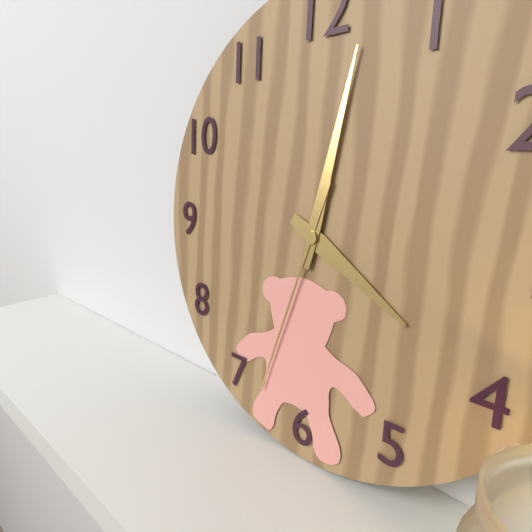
4:02:33
